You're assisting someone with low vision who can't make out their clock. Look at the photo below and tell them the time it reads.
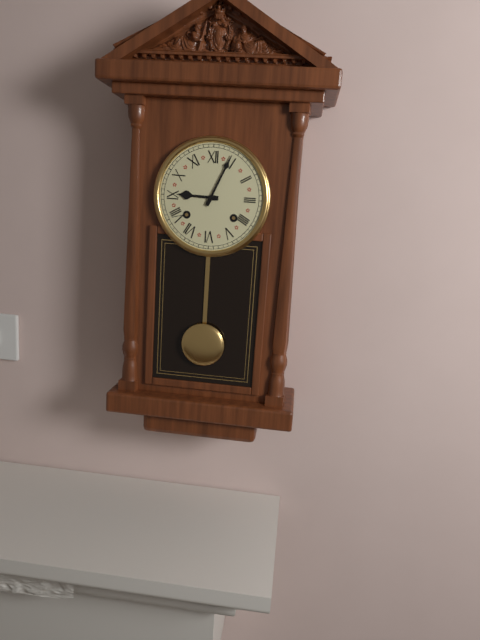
9:04
